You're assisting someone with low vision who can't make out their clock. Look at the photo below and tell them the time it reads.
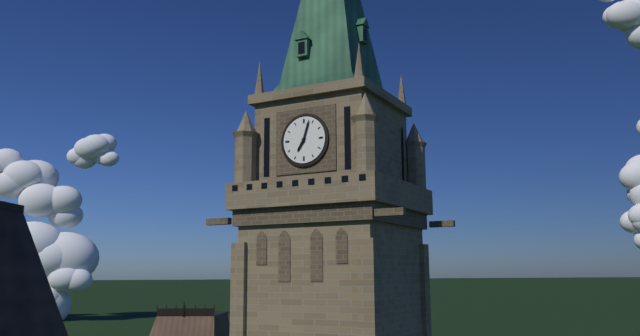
7:03
